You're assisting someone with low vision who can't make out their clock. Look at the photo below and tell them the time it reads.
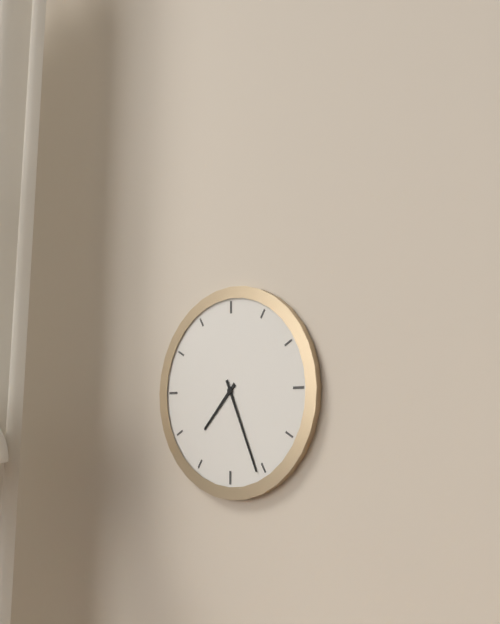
7:26
